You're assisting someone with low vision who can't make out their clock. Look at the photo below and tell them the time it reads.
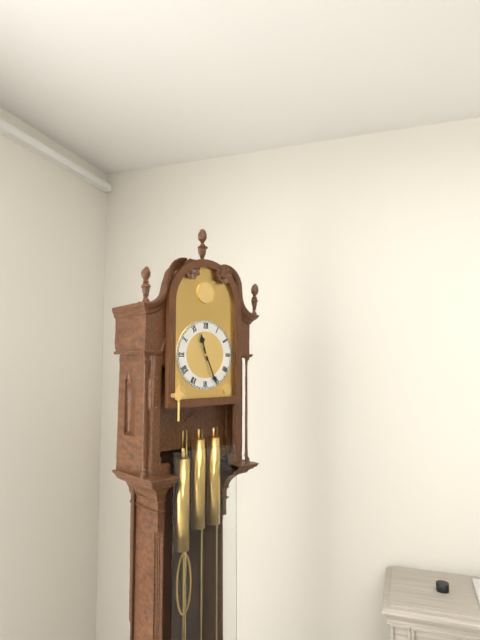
11:26
